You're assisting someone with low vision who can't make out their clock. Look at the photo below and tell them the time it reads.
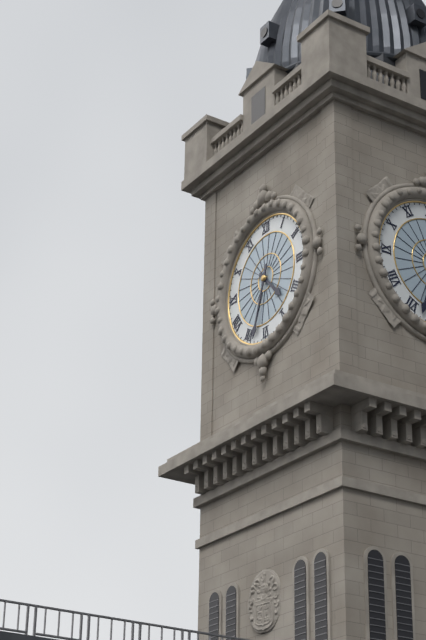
4:33
